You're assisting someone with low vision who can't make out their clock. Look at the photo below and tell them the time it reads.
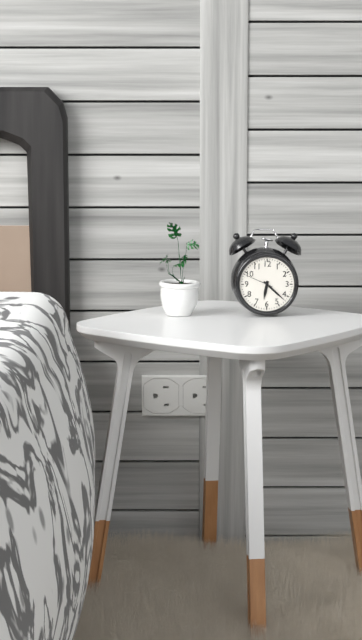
6:22
